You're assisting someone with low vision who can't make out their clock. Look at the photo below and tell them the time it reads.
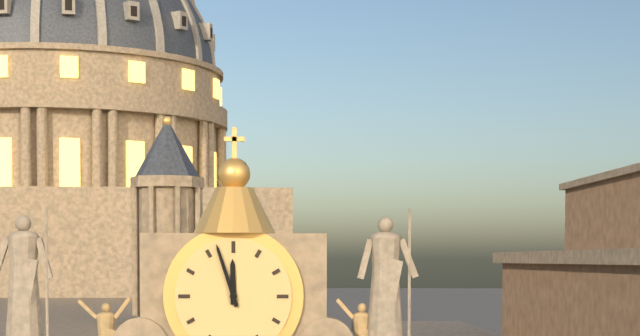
11:57
